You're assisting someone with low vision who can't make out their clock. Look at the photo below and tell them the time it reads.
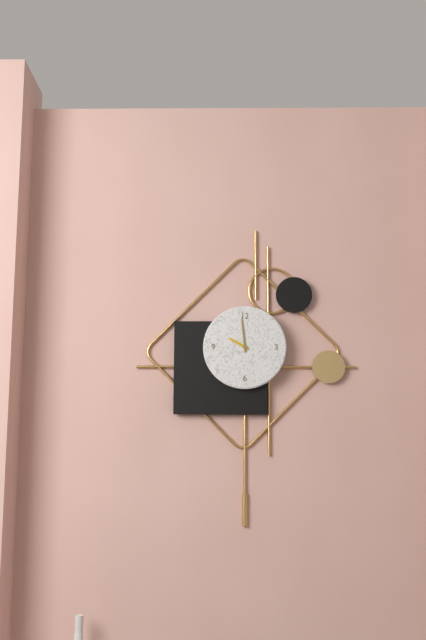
9:59
